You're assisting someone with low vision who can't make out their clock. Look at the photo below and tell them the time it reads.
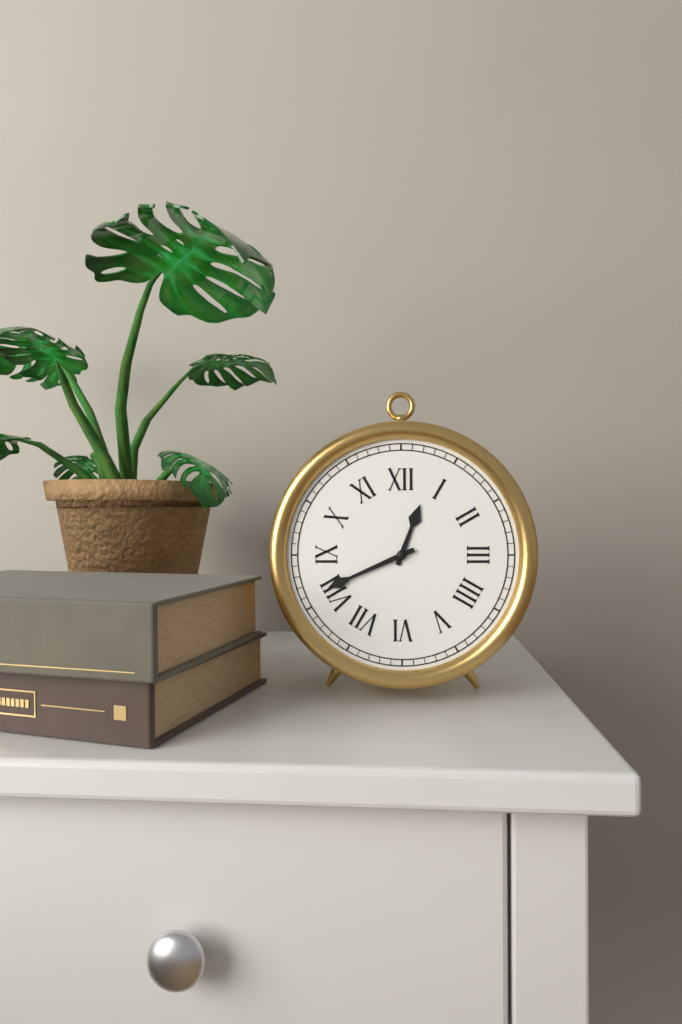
12:41
